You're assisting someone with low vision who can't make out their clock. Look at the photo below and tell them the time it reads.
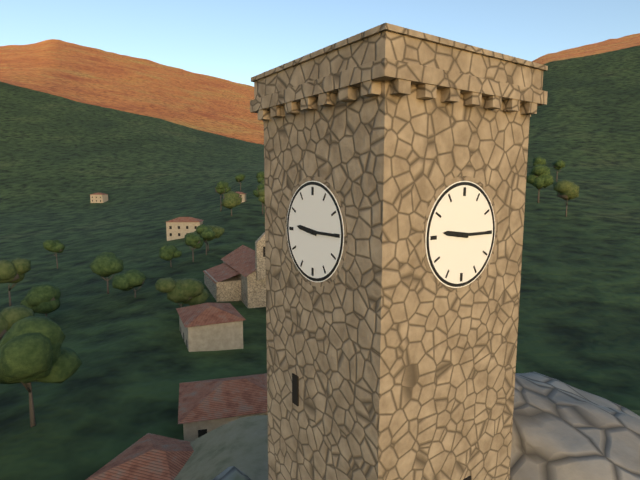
9:15
